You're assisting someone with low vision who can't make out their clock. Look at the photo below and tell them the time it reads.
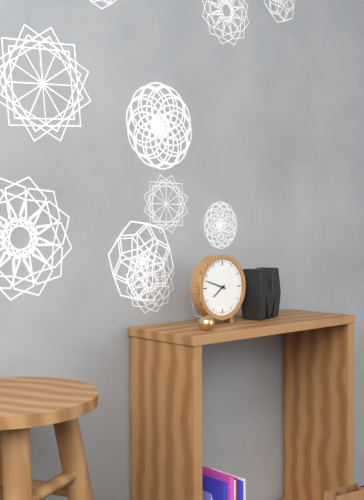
7:48
